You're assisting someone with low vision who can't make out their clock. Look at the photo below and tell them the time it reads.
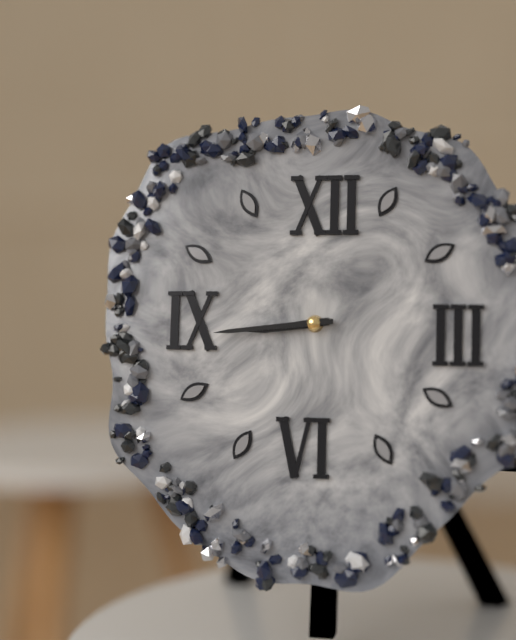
8:44
